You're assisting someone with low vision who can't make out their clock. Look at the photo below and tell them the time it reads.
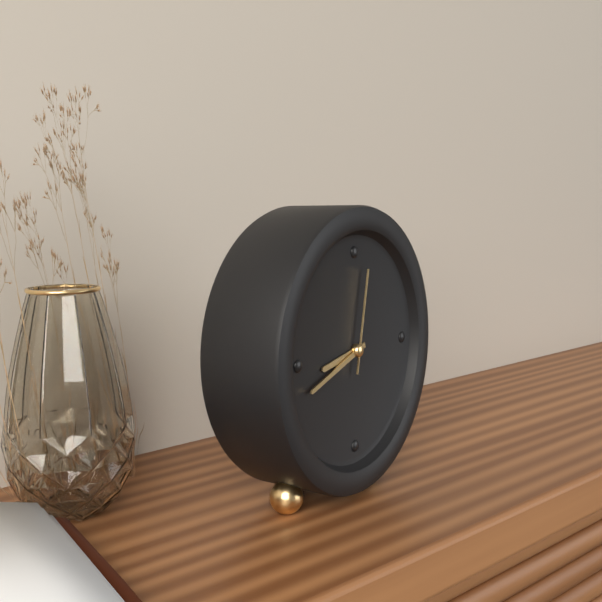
8:42:02
